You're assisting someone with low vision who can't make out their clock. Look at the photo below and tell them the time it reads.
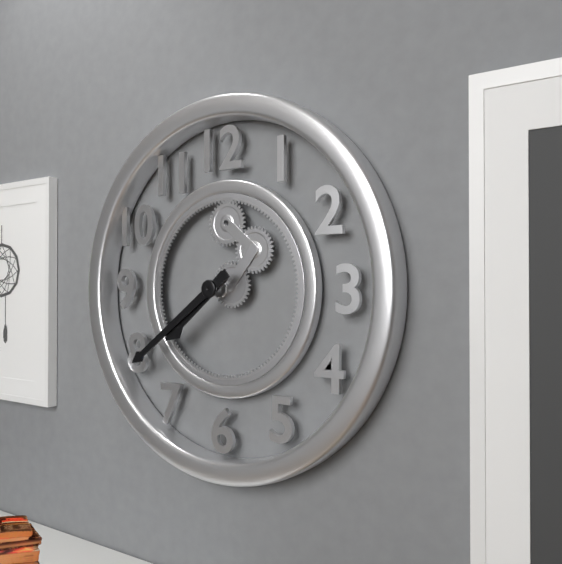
7:39
